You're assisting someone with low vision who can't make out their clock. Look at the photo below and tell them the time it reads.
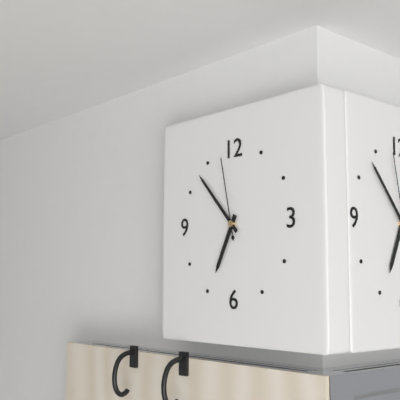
6:53:58
